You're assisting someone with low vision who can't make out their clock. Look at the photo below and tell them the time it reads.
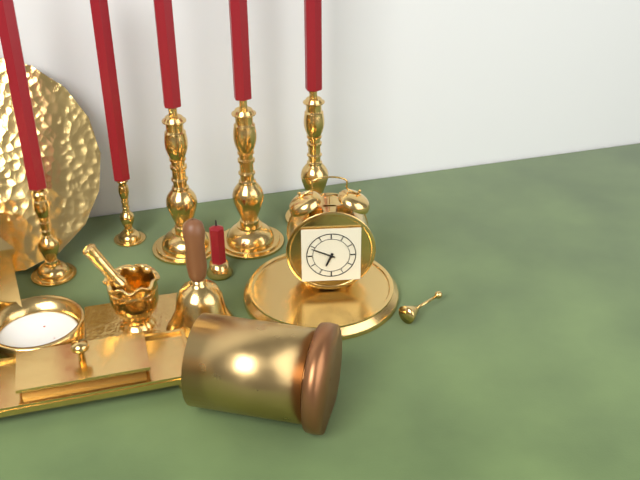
6:49
